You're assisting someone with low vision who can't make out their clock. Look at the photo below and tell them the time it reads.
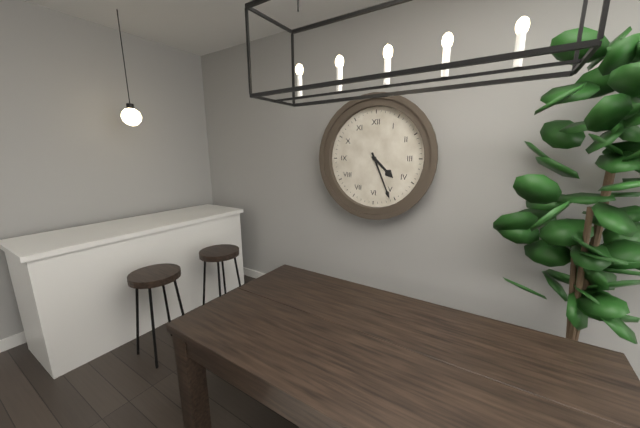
4:26
